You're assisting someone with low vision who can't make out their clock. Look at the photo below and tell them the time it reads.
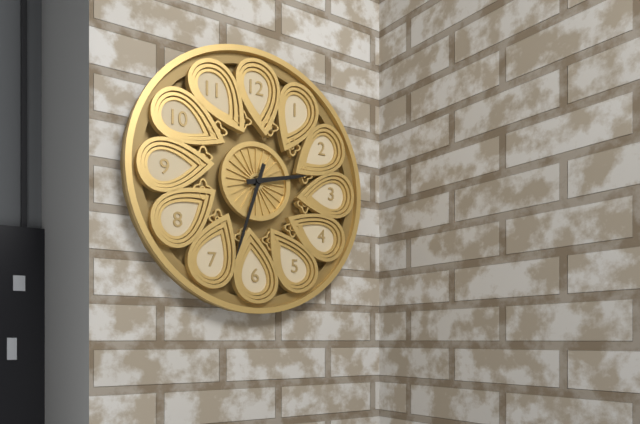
2:33
